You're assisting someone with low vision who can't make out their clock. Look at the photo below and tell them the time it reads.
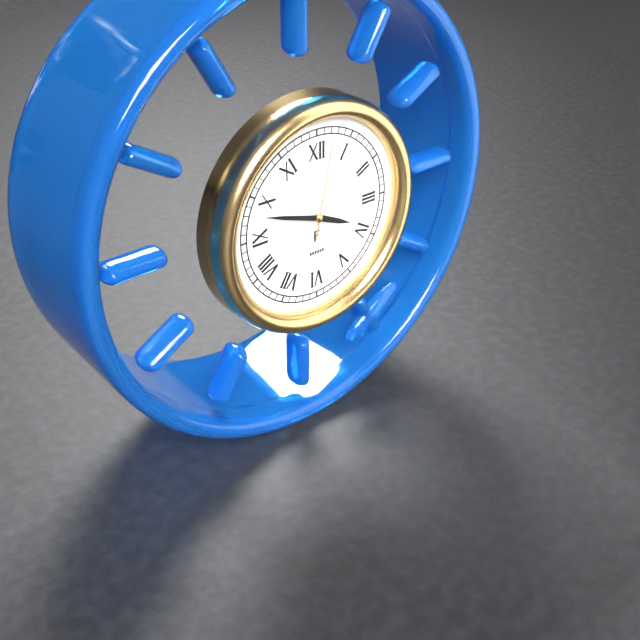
3:48:02
